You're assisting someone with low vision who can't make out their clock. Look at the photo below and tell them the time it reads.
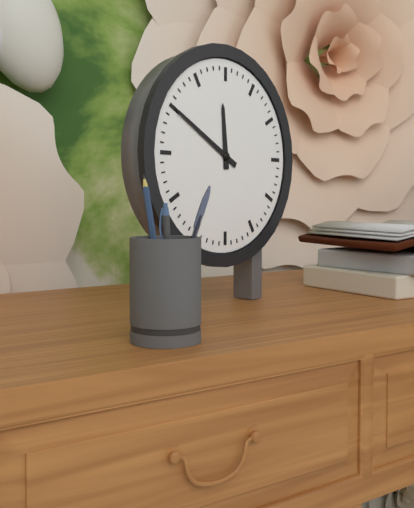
11:50
